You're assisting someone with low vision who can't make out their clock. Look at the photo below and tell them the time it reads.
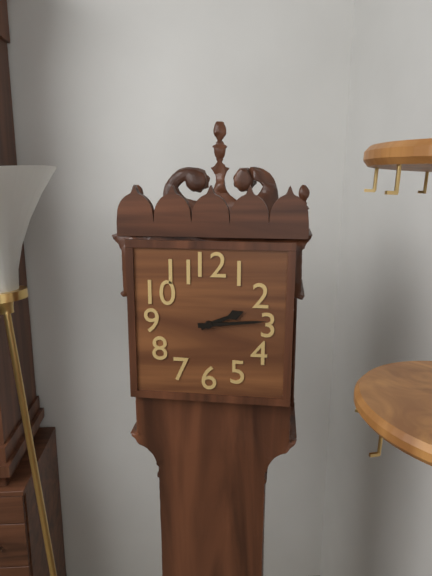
2:14
